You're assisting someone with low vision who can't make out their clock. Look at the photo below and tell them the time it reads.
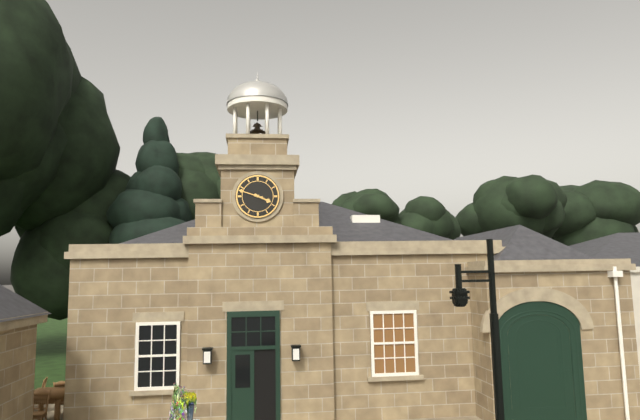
3:48
